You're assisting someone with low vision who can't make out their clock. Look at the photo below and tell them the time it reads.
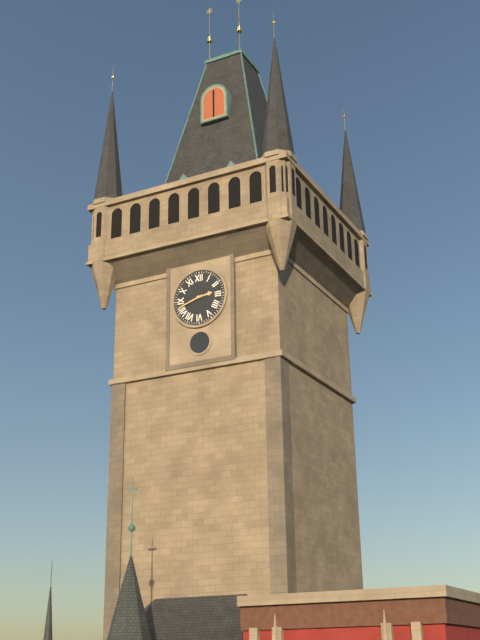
2:42
